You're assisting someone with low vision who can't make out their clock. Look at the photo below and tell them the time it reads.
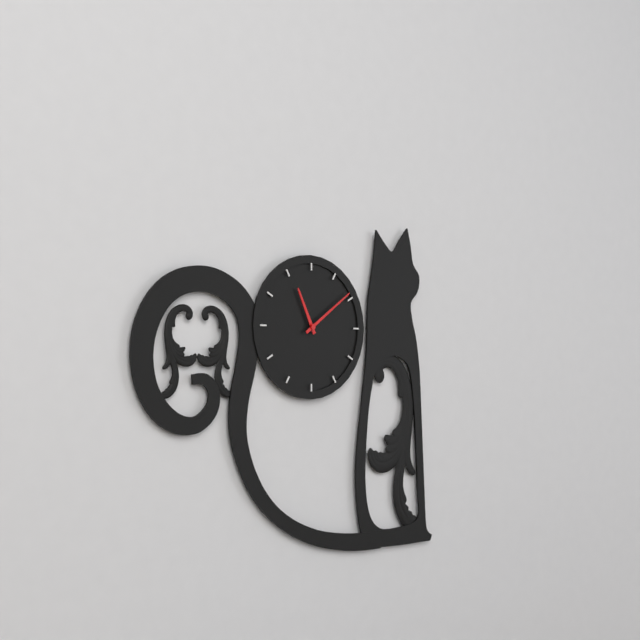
11:09
